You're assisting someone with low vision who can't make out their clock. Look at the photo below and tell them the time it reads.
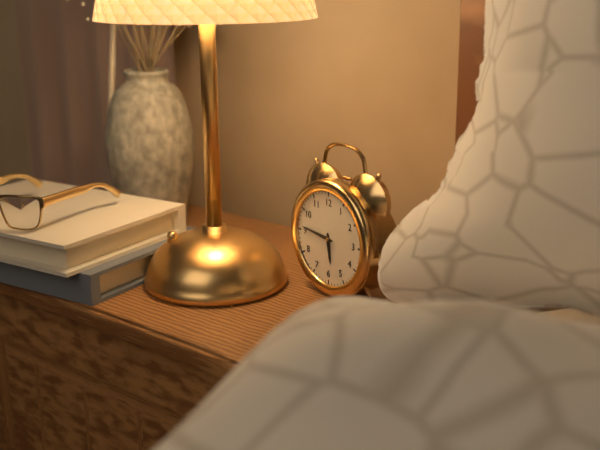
5:46
